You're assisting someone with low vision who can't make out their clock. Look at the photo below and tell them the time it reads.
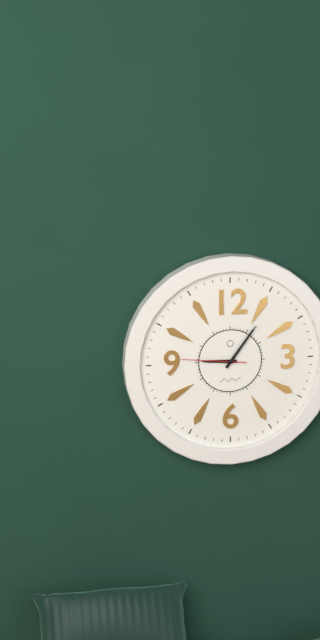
9:06:46
